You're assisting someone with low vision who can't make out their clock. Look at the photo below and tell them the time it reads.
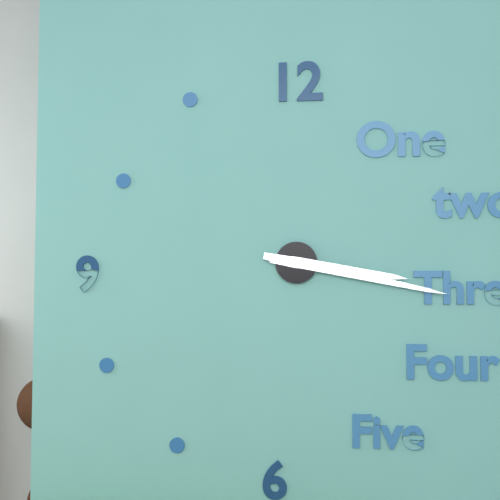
3:17
